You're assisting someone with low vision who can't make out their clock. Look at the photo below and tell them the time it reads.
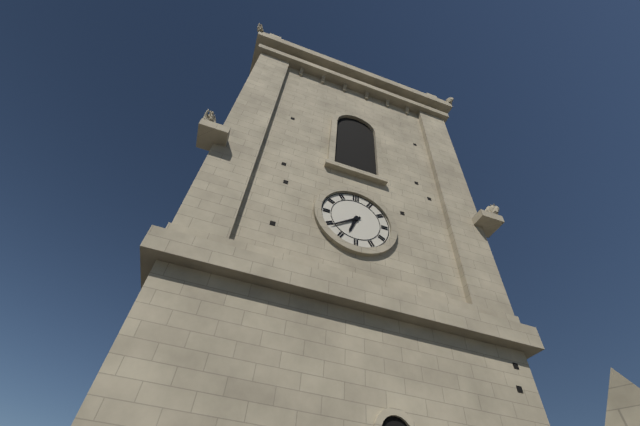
6:39
